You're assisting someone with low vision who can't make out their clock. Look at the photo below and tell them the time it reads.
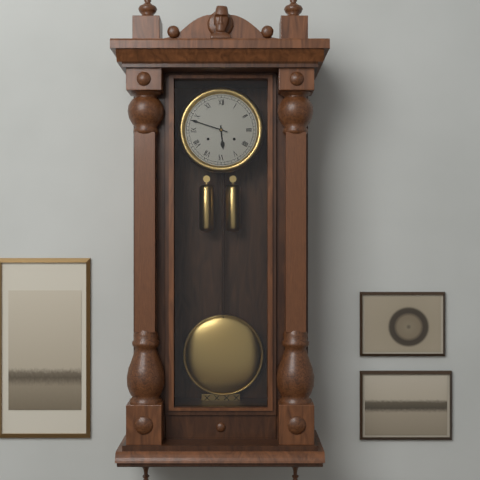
5:48
